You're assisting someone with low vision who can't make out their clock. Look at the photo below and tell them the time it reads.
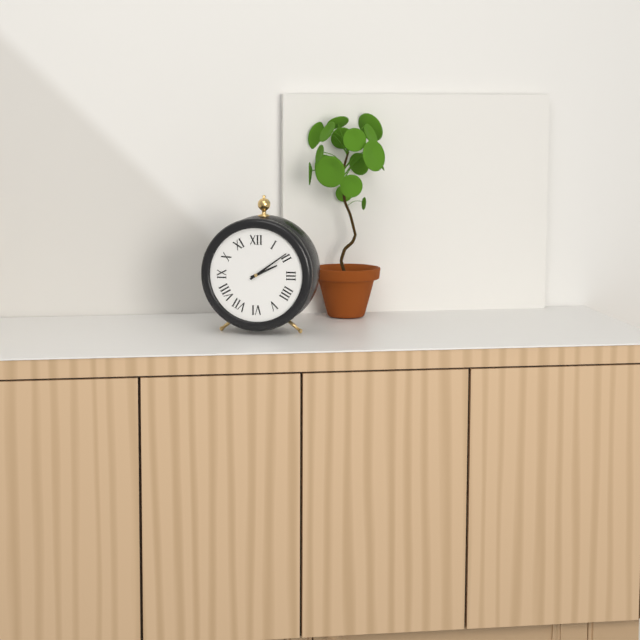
2:09
